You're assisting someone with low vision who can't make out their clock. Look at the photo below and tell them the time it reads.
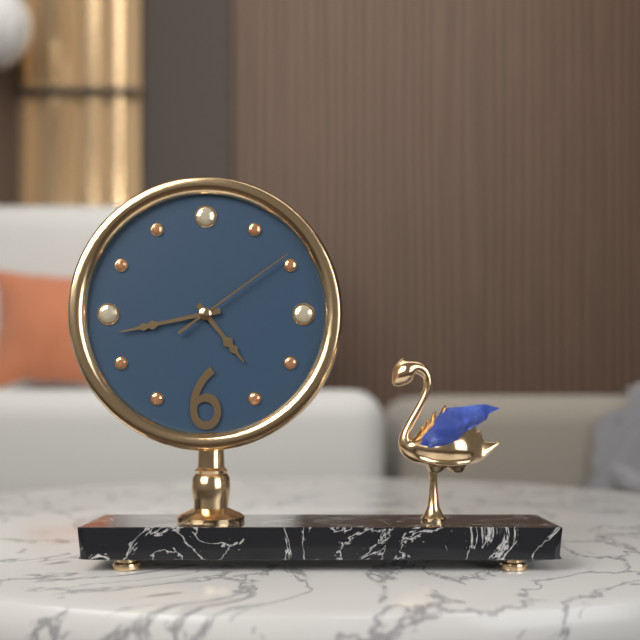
4:43:09
